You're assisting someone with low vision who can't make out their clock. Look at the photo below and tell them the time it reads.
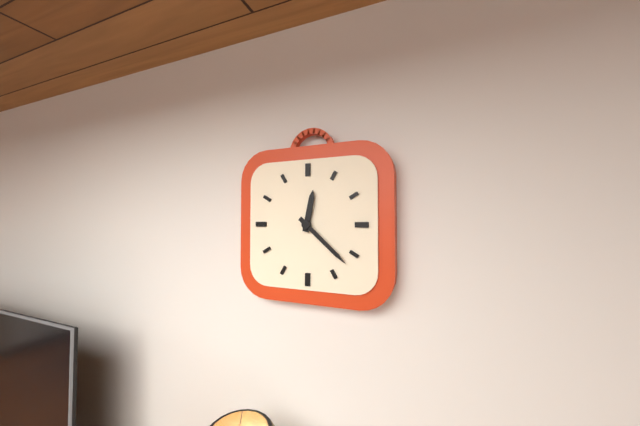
12:22
